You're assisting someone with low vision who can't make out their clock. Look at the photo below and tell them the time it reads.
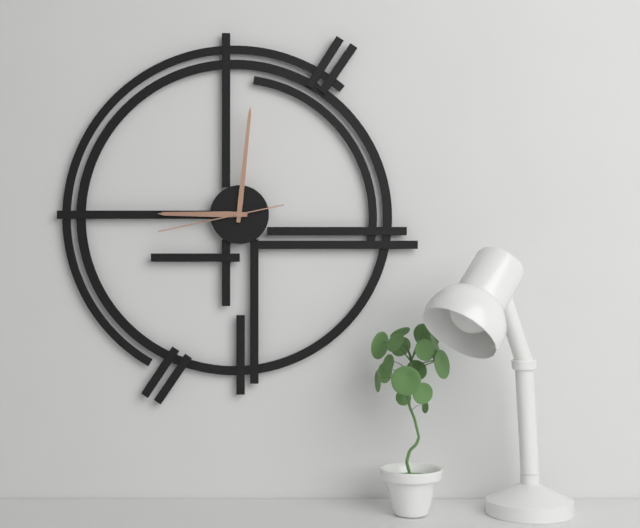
9:01:43
